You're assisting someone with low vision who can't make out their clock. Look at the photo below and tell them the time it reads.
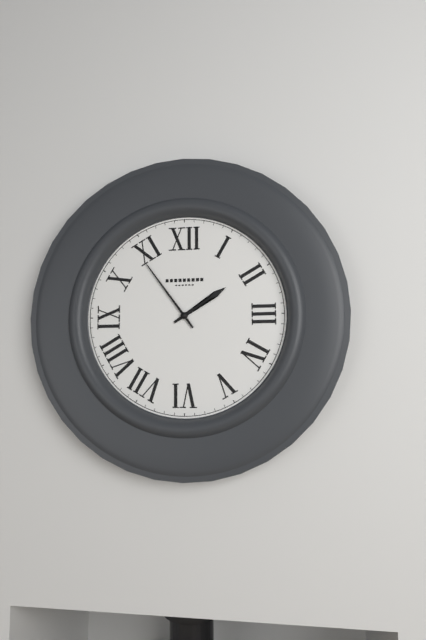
1:54
